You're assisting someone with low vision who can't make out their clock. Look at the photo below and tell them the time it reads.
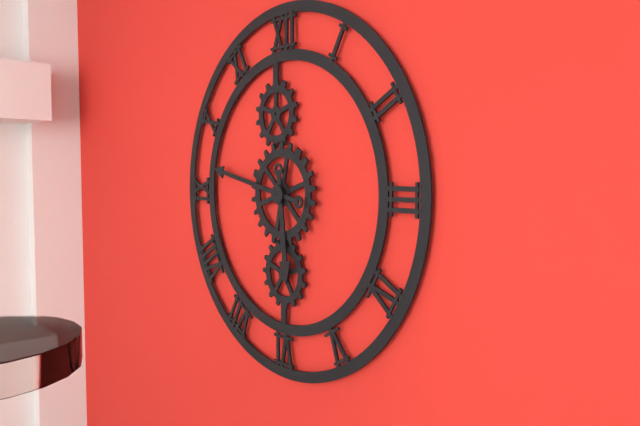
5:47
